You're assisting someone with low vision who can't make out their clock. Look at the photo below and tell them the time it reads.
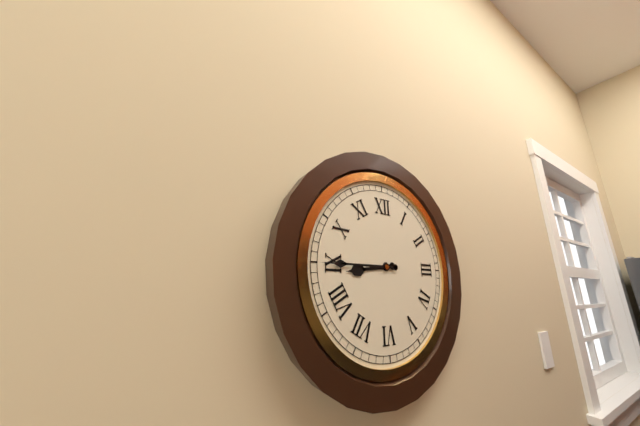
8:45
